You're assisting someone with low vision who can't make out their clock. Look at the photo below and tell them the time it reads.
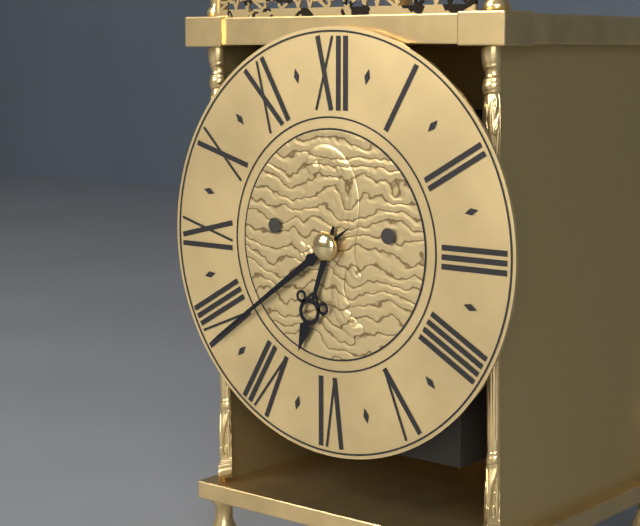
6:39
